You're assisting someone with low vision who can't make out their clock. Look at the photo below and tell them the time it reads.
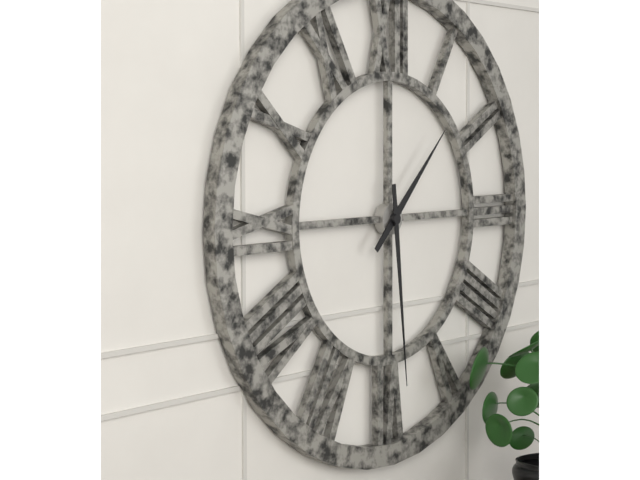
1:29
